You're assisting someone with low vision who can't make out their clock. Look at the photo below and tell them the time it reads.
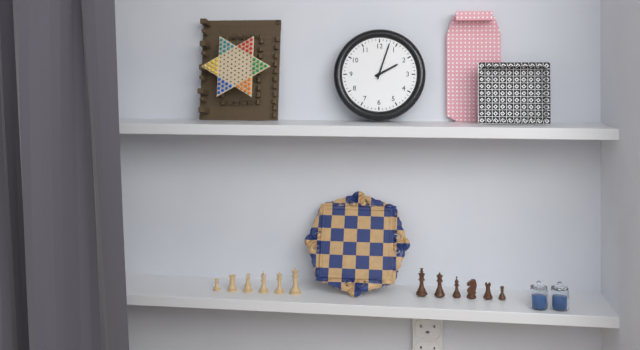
2:03
